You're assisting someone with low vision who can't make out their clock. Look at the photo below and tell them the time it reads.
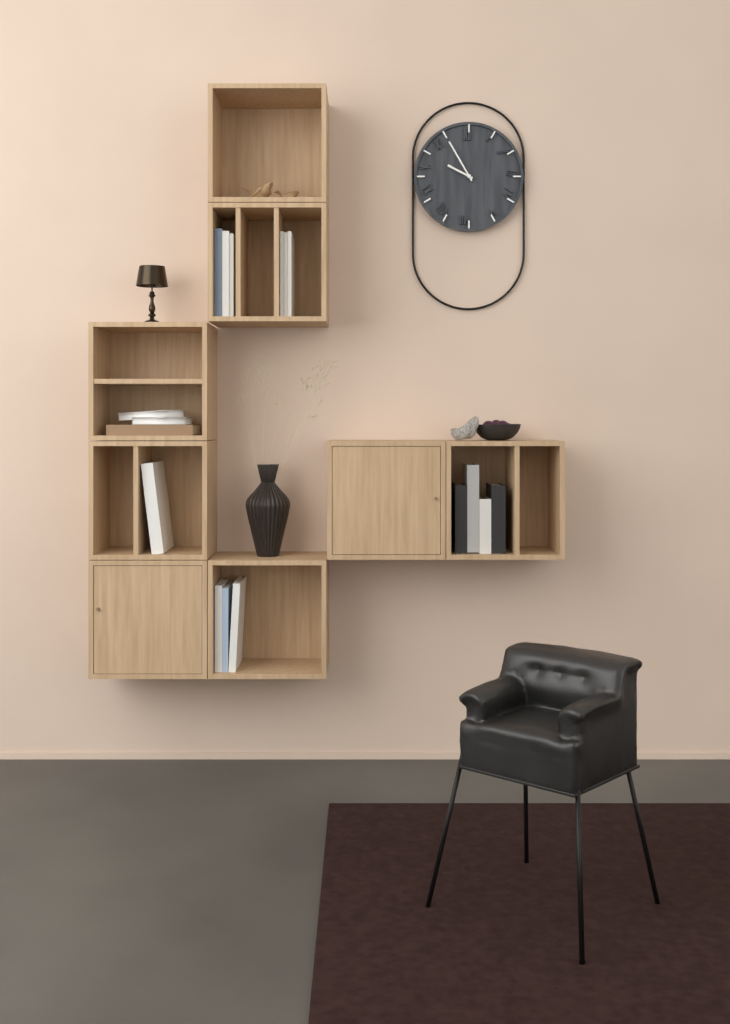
9:55
